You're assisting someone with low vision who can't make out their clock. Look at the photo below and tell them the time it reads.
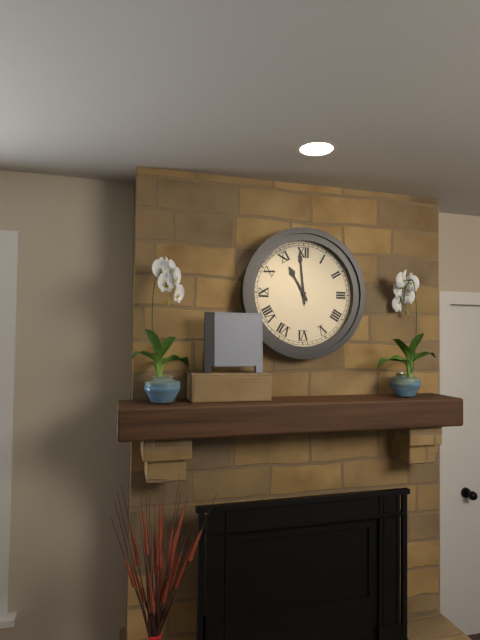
10:59
